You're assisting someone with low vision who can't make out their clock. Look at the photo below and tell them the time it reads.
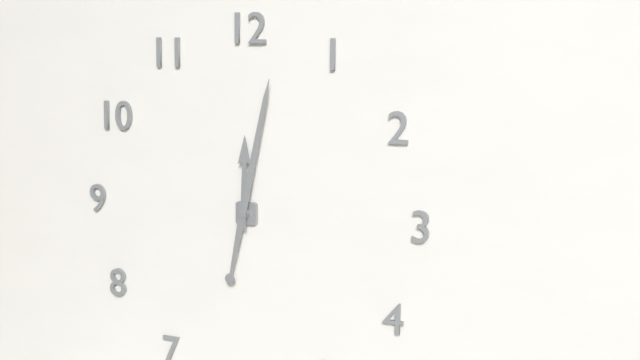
12:02
